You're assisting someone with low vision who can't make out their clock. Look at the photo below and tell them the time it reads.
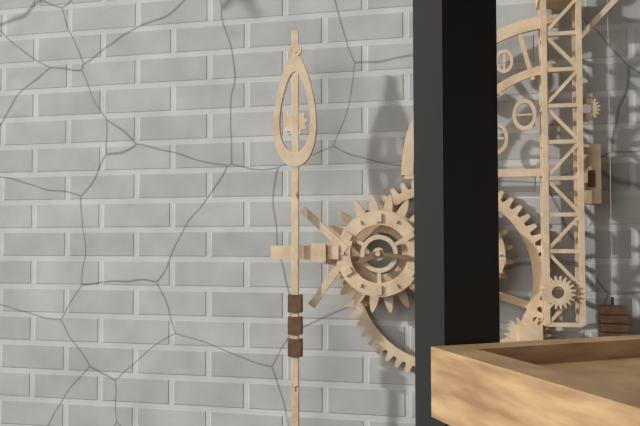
8:16
